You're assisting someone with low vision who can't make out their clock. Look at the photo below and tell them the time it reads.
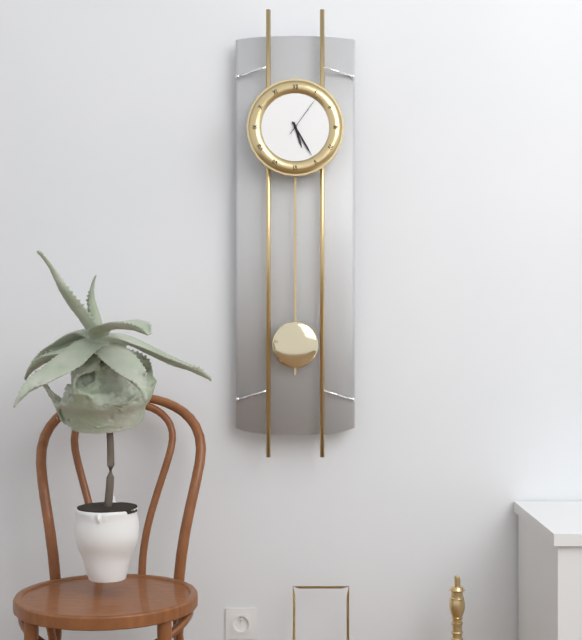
5:25
